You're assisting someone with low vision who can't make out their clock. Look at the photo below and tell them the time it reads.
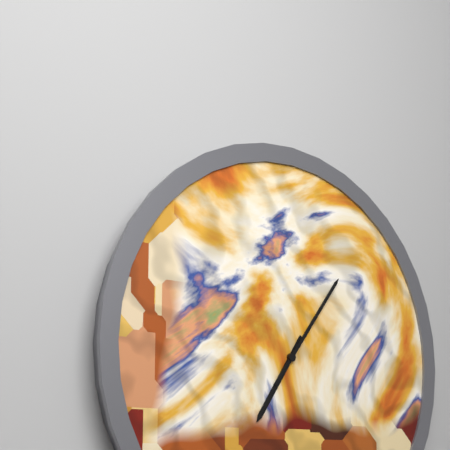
7:06
